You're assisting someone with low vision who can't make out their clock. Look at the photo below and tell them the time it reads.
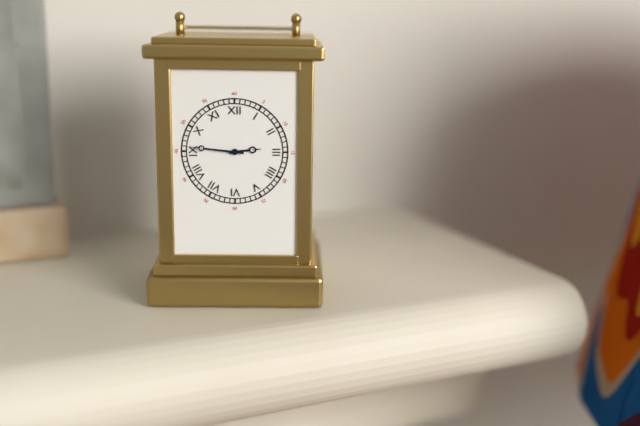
2:46
